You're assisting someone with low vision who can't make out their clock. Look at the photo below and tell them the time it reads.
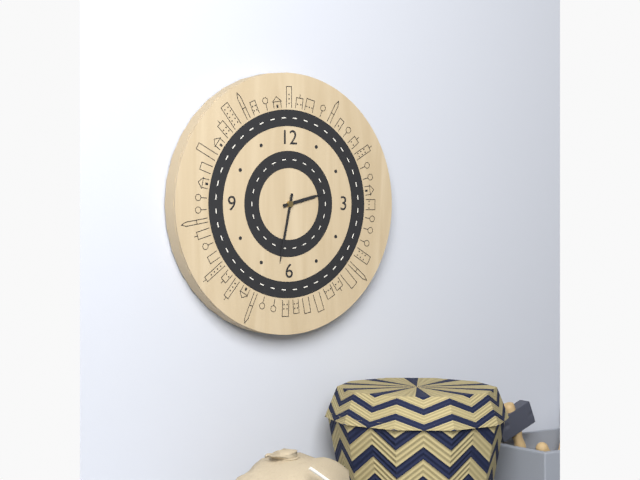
2:32
